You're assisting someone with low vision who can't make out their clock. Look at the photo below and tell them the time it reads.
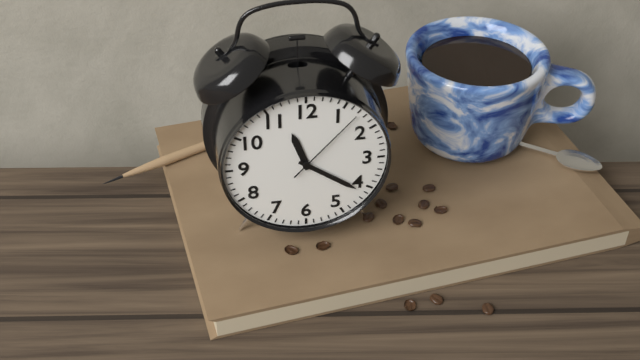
11:21:07
